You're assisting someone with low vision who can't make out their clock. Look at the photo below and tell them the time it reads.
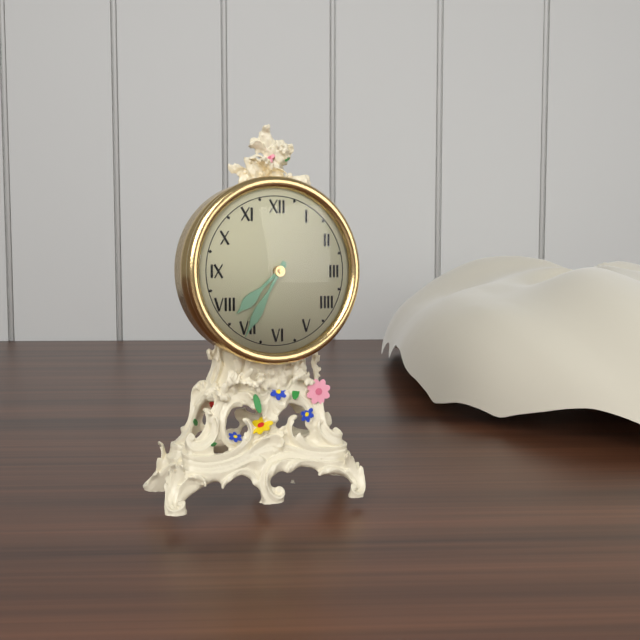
7:35
